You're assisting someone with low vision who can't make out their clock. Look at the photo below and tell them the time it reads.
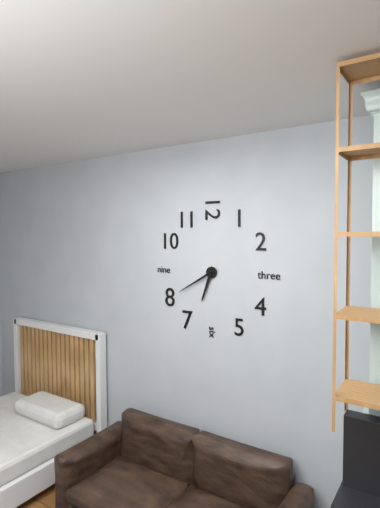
6:40
